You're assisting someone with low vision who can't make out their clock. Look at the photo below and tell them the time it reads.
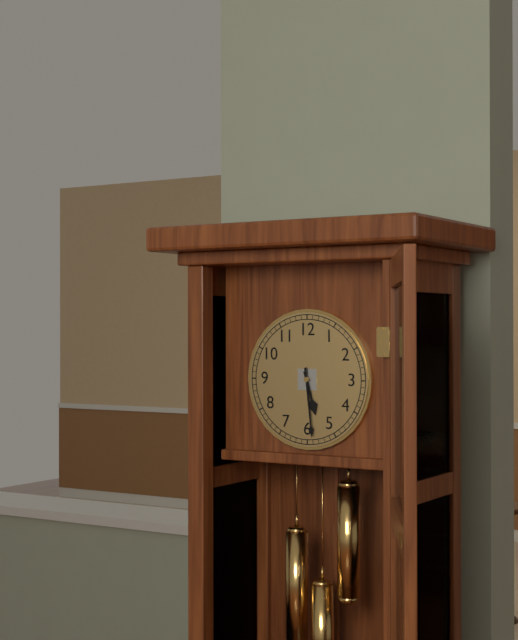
5:29
